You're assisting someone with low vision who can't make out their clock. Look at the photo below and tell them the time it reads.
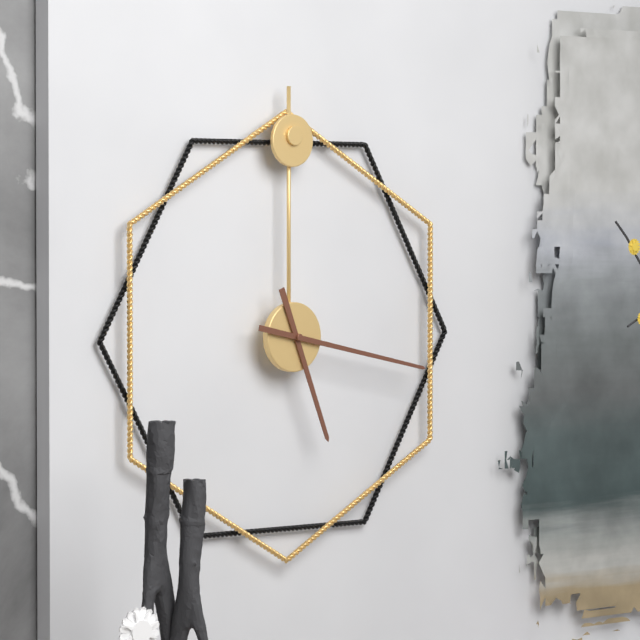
5:17
